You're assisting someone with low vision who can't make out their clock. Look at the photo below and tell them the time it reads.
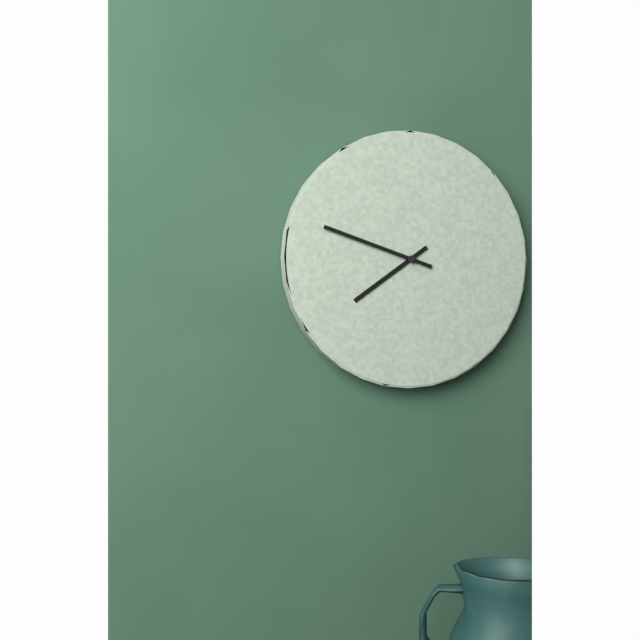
7:48
